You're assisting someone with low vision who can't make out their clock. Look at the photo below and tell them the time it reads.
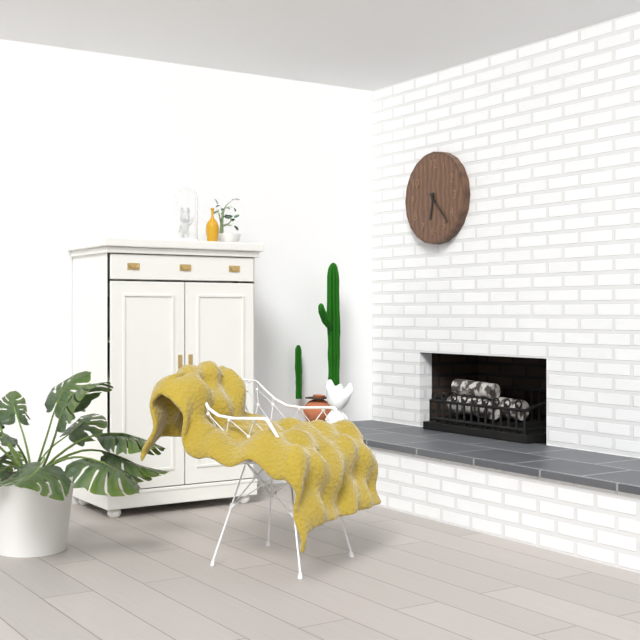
6:23
